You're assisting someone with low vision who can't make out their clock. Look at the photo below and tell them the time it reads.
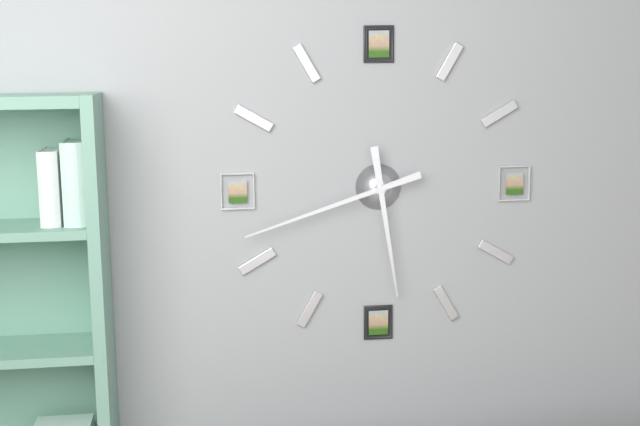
5:42
